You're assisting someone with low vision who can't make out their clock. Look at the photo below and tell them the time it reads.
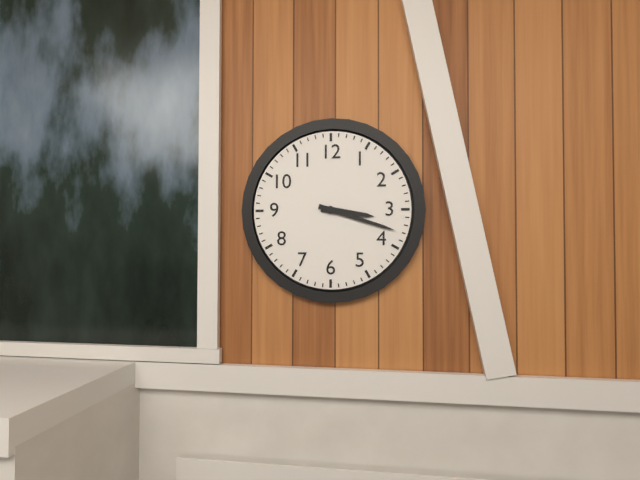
3:18
